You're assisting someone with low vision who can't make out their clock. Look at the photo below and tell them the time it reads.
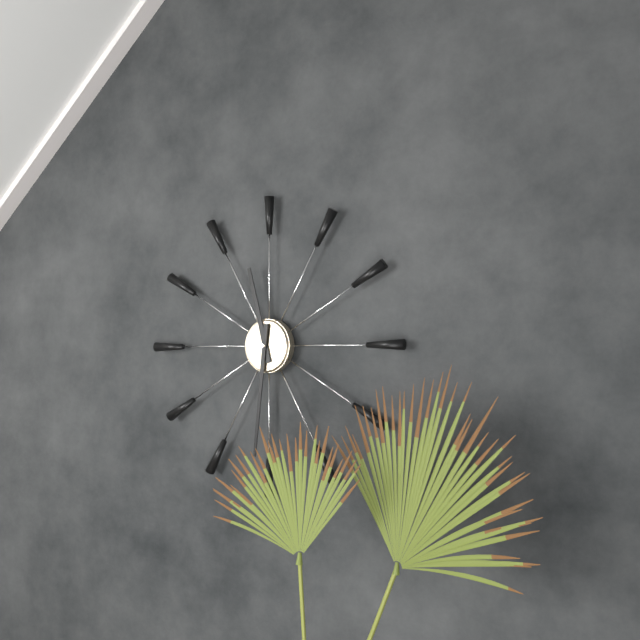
11:31
